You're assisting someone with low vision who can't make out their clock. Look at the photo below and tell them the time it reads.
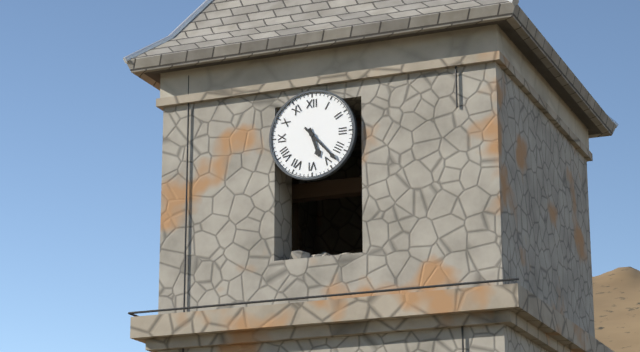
5:23
